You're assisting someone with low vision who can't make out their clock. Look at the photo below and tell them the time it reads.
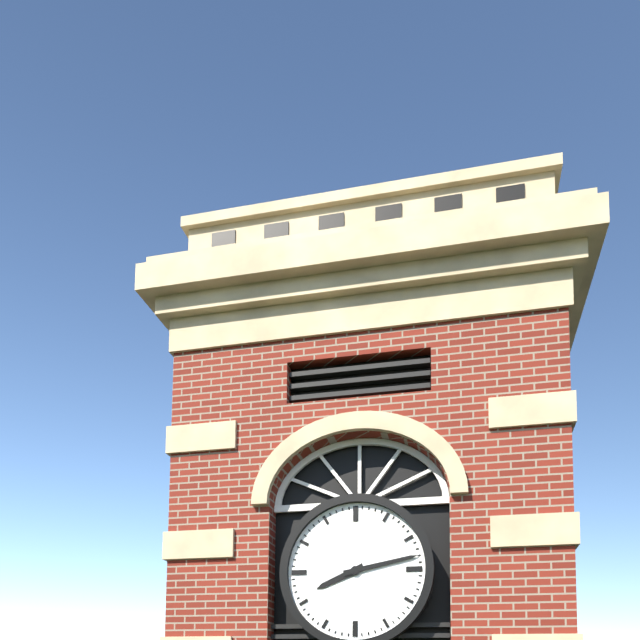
8:13
